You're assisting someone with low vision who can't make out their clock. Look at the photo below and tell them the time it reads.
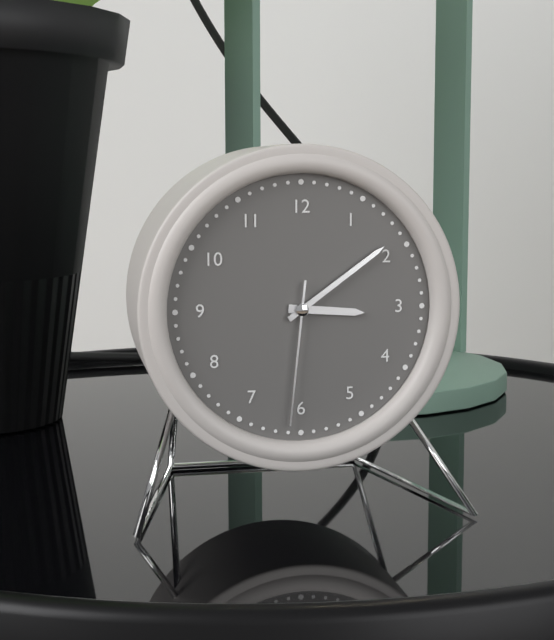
3:09:31
